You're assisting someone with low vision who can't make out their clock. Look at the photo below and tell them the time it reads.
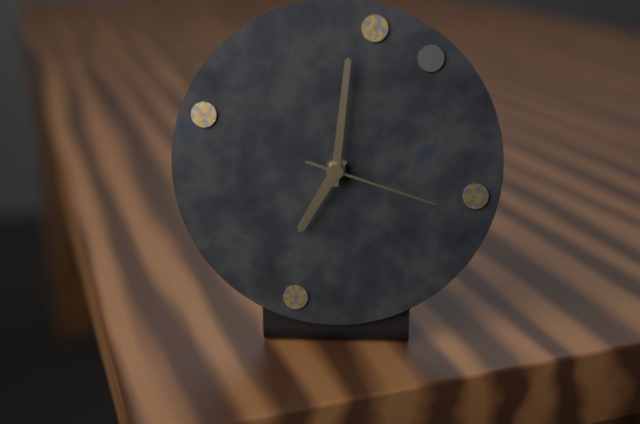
7:01:18
